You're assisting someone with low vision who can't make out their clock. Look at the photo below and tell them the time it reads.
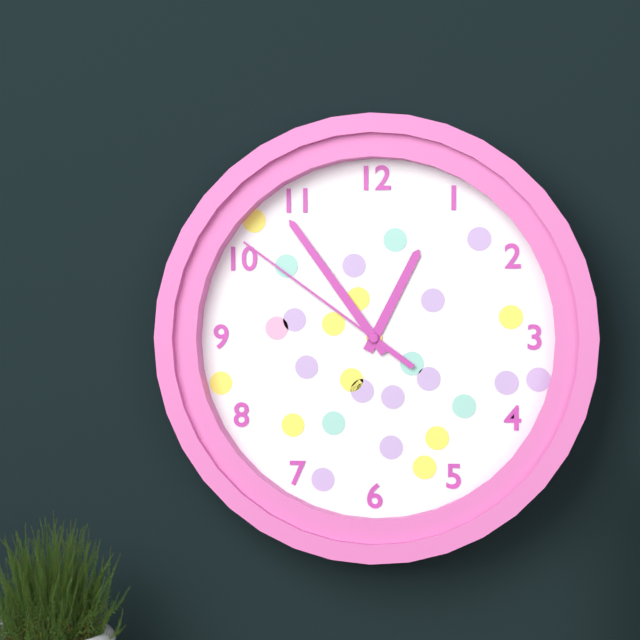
12:54:51
